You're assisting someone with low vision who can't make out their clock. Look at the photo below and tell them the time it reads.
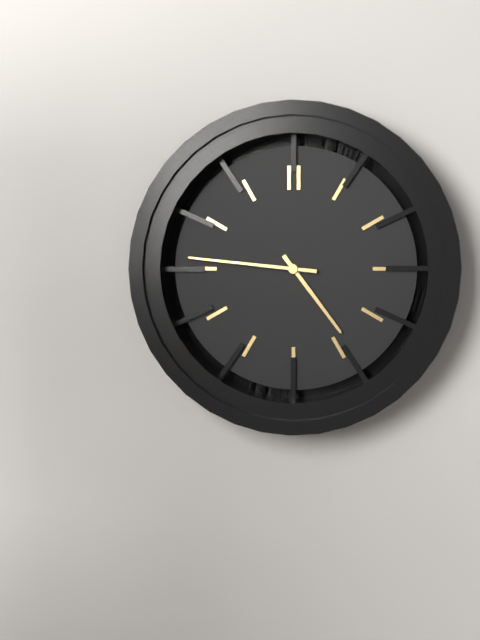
4:46
